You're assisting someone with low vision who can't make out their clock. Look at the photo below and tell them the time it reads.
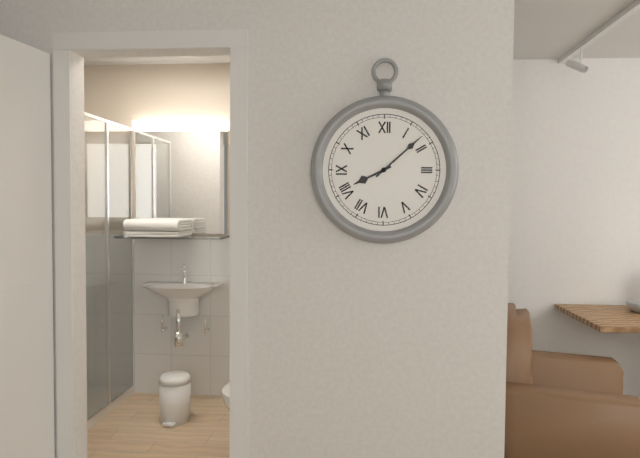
8:08
